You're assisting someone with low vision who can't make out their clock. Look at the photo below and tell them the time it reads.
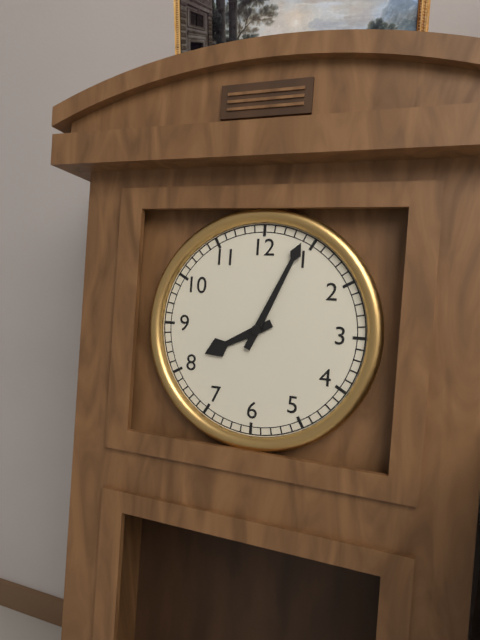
8:04
